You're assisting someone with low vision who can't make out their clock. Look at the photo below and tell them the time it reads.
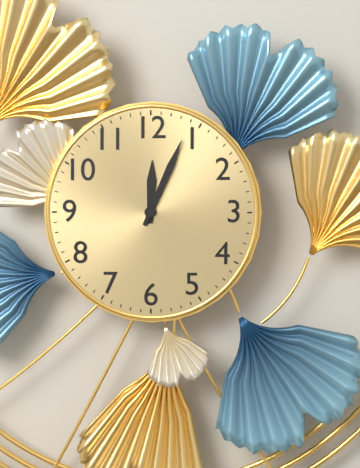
12:04
